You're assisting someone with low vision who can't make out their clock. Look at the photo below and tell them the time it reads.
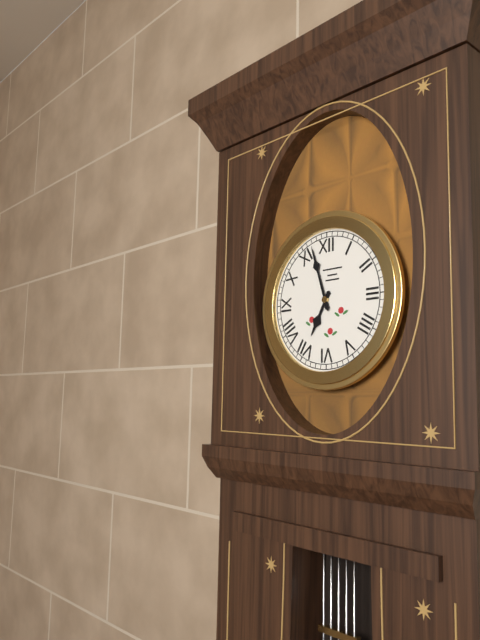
6:57
